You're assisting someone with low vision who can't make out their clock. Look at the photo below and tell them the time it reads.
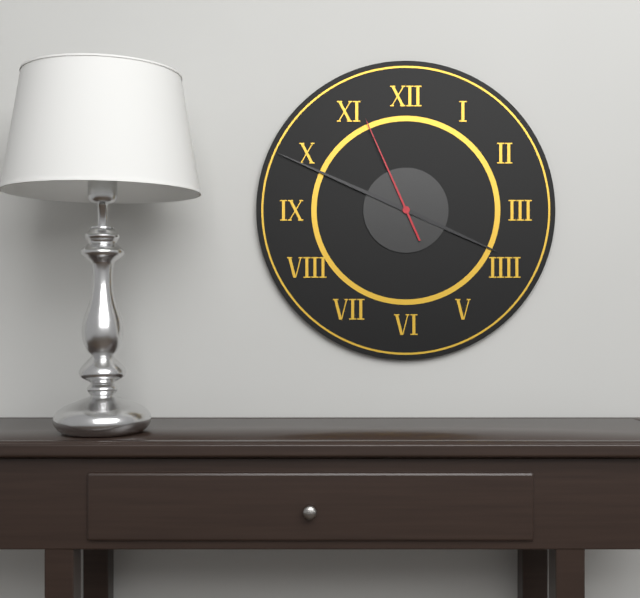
3:49:56
